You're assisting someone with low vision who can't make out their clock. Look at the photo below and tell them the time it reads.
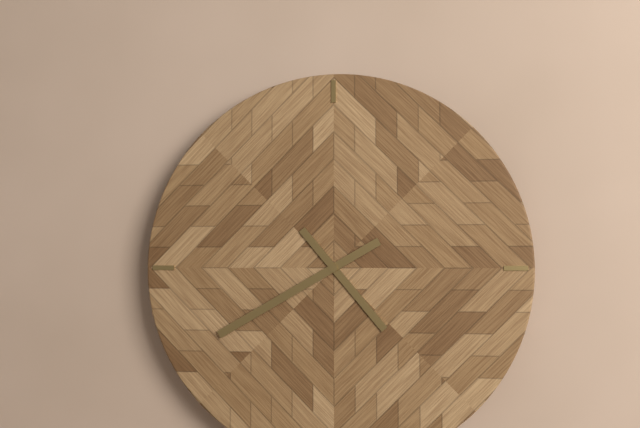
4:40
